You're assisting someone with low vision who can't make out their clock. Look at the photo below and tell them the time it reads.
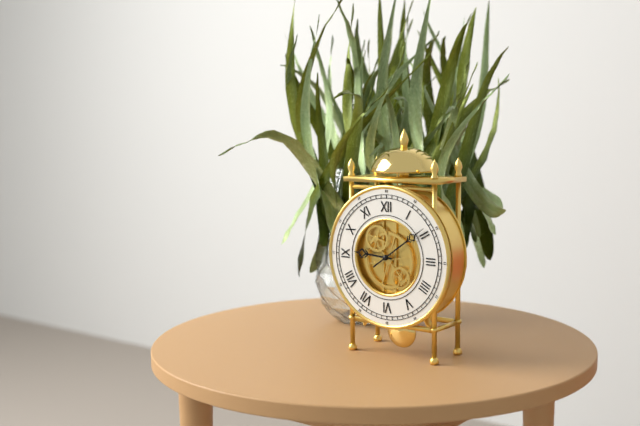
9:09
